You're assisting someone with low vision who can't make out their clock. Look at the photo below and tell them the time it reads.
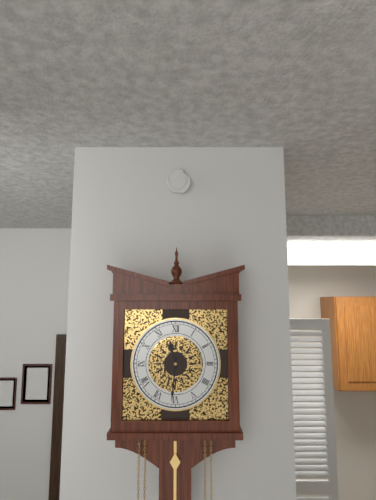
11:31
